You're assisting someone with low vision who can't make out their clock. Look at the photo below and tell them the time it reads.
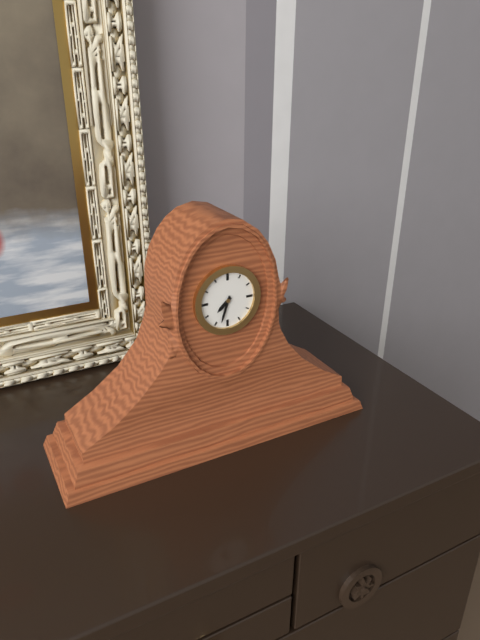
7:33
